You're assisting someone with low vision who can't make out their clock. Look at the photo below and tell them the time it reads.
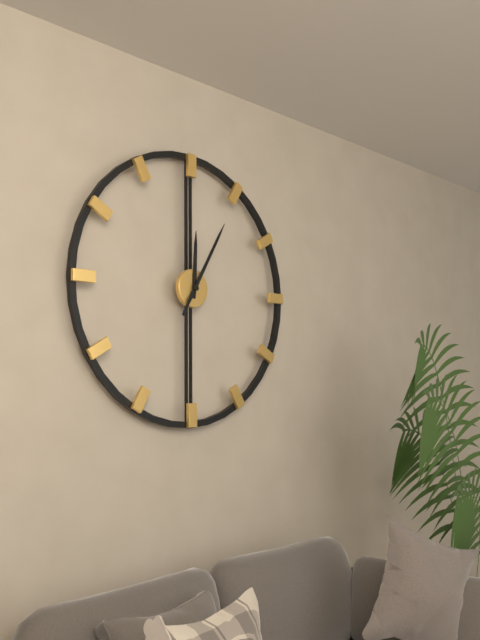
12:05
